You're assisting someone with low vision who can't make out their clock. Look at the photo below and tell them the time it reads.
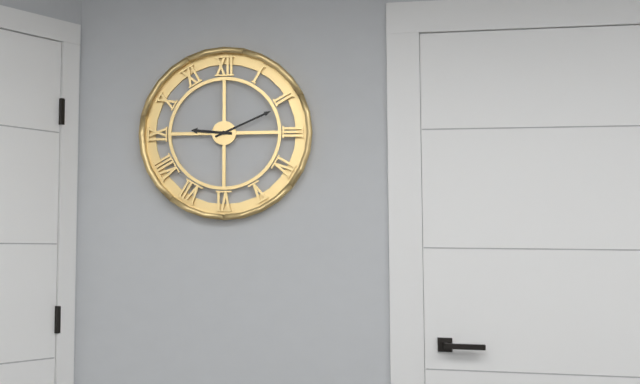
9:11
